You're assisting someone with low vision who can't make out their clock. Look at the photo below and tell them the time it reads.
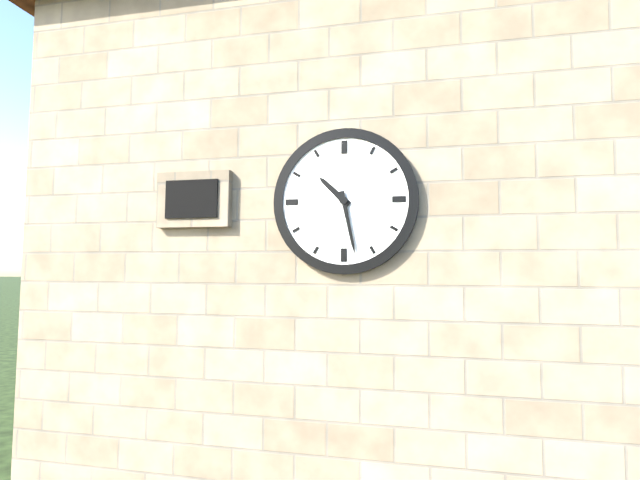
10:28
